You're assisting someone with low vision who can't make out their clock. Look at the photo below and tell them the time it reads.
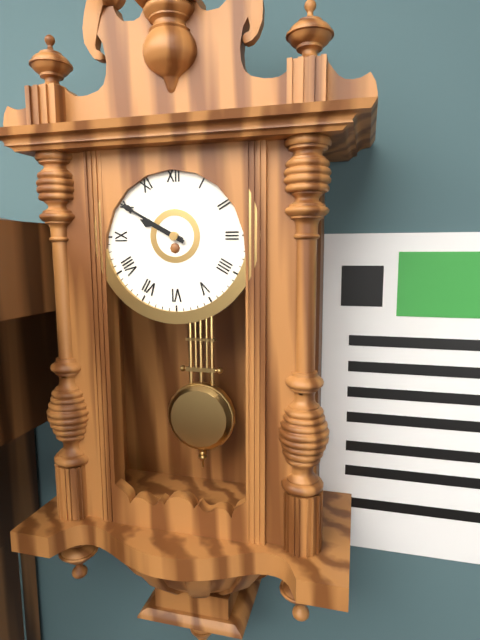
9:50
